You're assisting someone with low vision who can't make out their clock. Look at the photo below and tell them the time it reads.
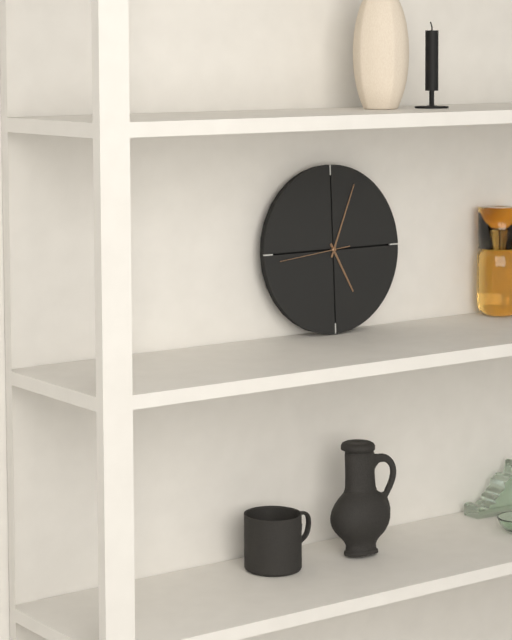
5:04:44
